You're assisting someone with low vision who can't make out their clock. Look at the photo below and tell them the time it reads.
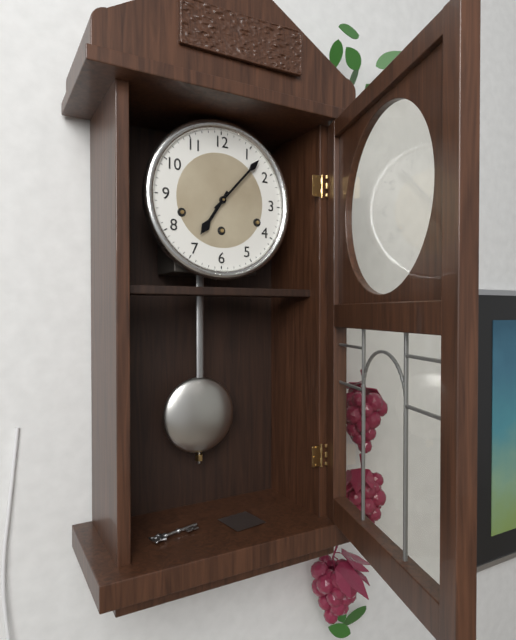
7:07
